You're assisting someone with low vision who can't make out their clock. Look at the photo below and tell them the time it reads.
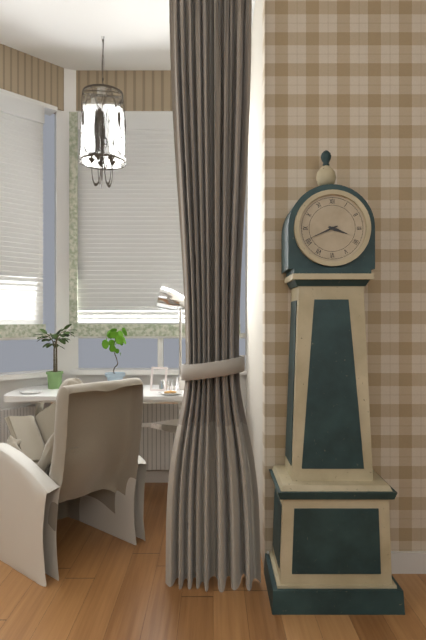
3:41
